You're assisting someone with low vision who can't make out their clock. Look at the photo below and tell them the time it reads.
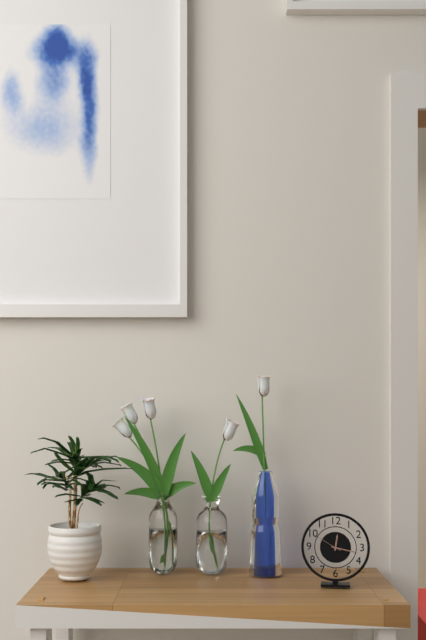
12:17
